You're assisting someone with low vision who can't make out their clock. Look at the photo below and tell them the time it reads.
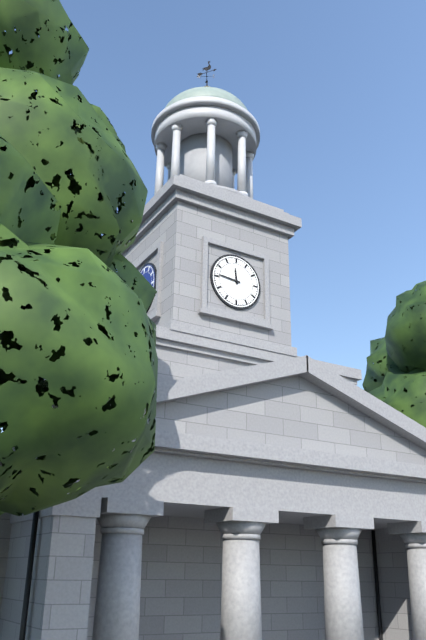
11:46
